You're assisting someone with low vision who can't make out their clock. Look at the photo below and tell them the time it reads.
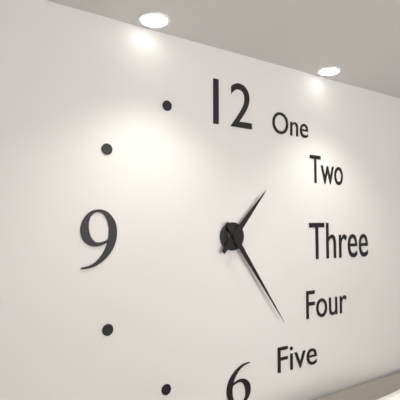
1:24
